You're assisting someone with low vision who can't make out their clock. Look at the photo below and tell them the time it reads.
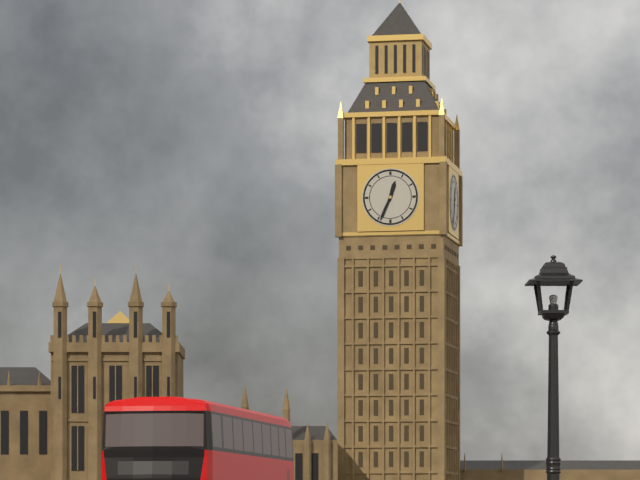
12:34
